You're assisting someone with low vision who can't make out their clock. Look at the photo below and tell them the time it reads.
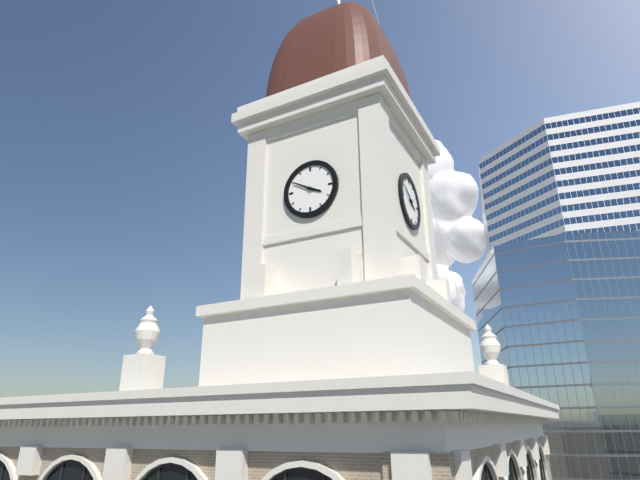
3:50
